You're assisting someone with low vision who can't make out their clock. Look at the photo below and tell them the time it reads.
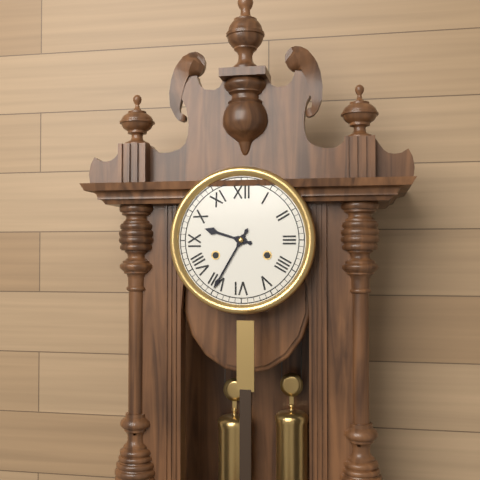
9:35
